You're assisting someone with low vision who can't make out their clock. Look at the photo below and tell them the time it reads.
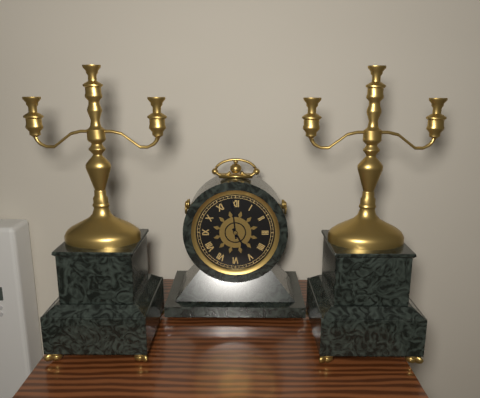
4:59
